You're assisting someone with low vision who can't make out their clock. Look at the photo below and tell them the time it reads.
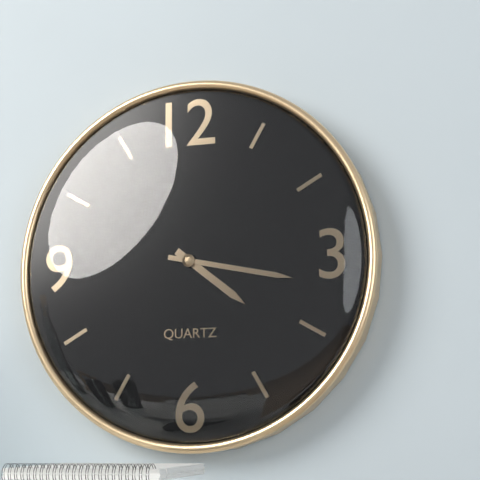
4:17
